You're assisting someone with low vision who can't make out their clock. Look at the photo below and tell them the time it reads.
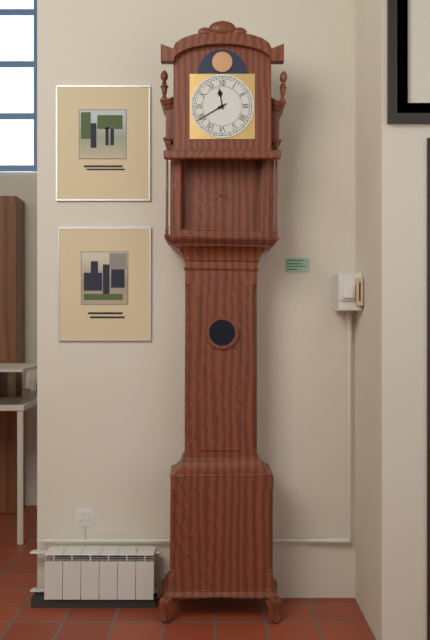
11:40
